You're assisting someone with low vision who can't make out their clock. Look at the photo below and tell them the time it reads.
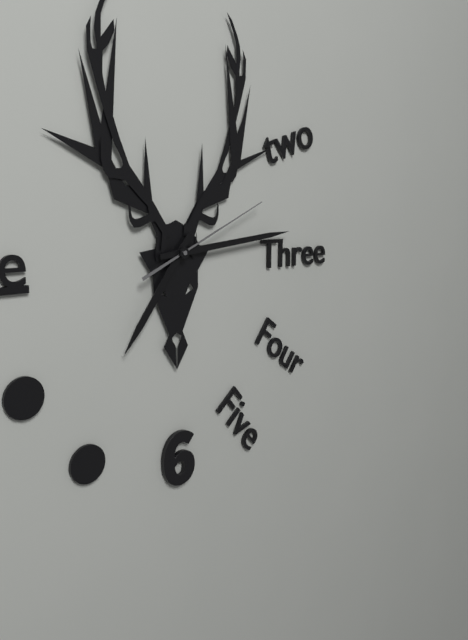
7:14:11
